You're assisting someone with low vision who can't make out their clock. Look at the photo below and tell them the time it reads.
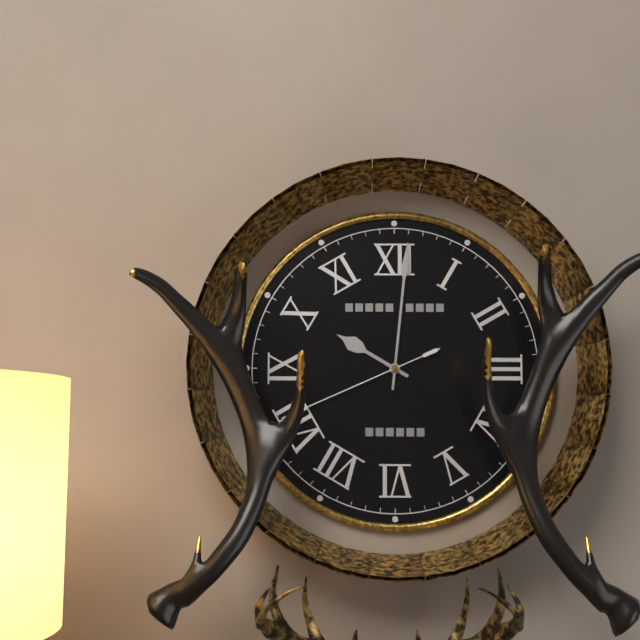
10:01:41
